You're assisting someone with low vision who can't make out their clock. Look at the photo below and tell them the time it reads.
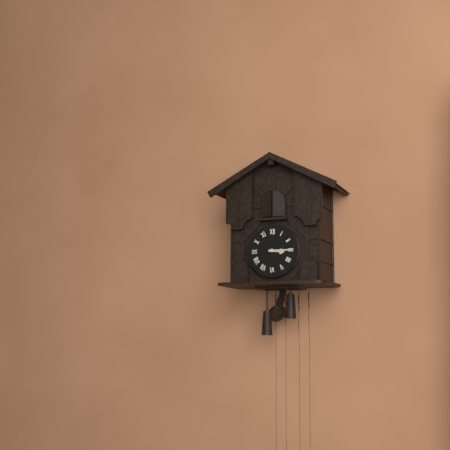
3:15
